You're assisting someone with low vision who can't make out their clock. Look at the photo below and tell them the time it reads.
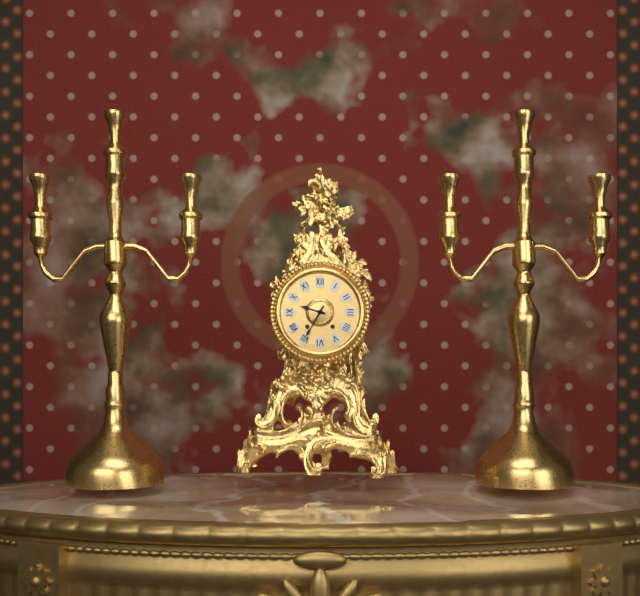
9:35
